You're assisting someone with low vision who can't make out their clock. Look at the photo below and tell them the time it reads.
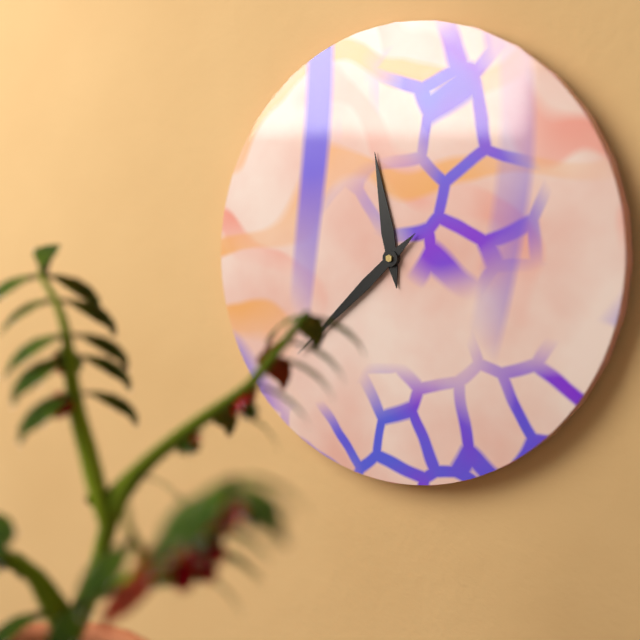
11:38
